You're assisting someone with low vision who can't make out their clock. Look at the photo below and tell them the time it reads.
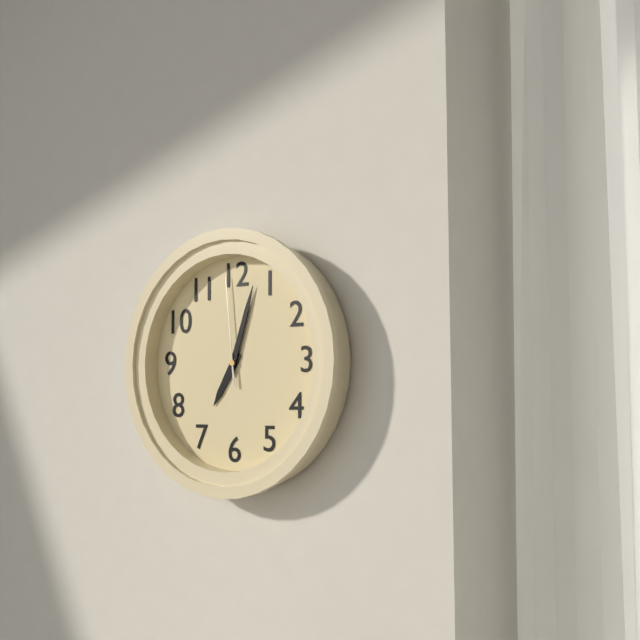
7:03:59
